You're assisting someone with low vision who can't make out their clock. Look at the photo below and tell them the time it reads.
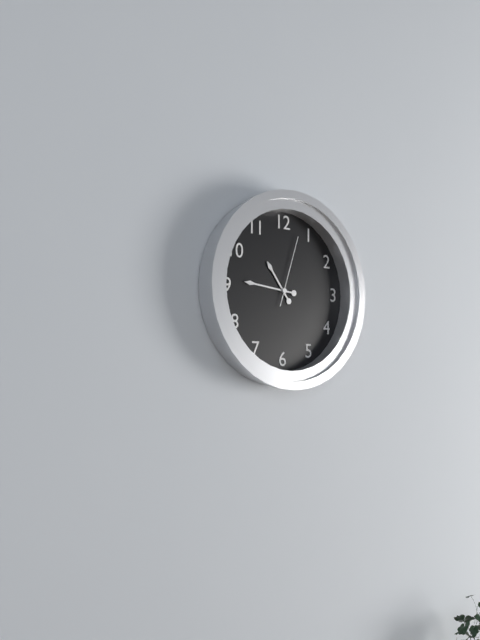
10:46:03
